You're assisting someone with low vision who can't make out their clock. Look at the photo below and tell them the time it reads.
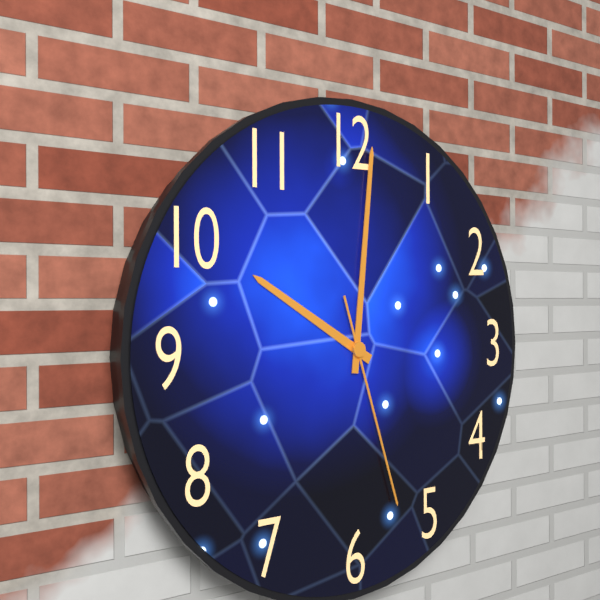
10:01:27
